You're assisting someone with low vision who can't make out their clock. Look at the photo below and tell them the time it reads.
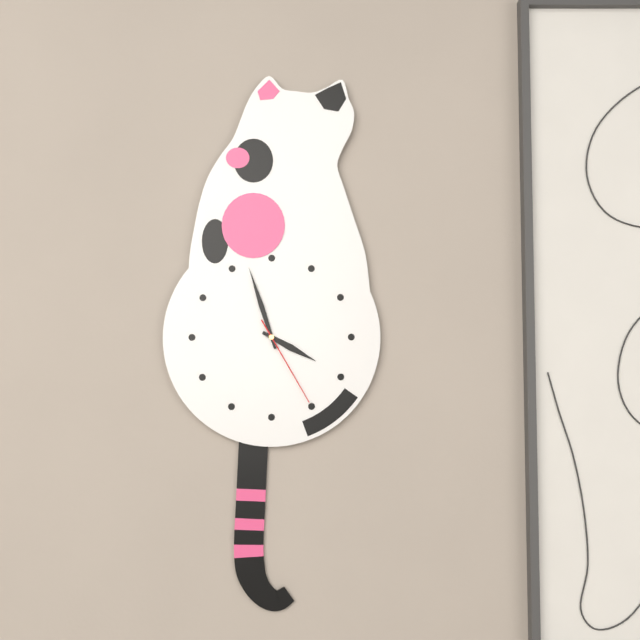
3:57:25
